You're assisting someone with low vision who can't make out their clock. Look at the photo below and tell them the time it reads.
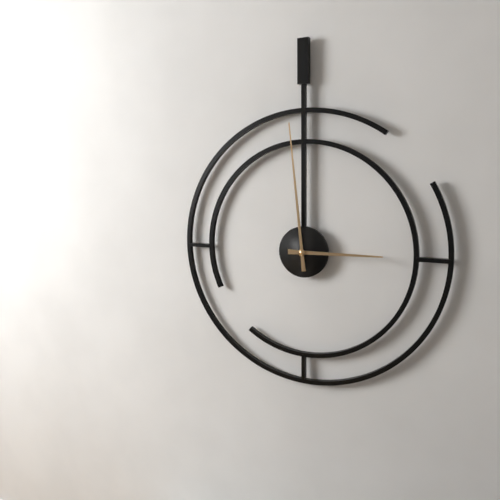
2:59
